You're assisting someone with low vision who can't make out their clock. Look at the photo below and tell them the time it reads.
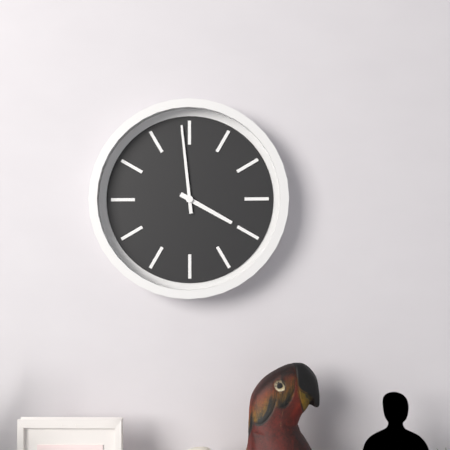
3:59
